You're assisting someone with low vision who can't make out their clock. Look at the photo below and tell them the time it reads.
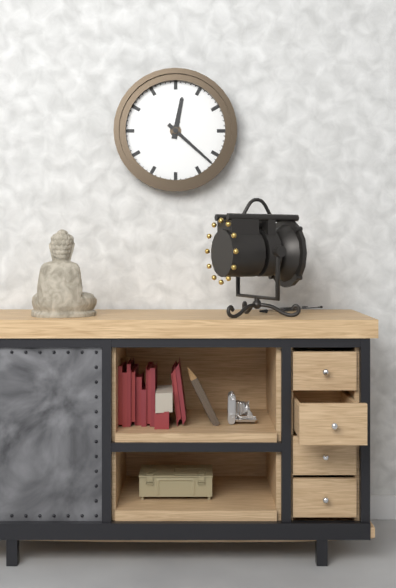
12:22
